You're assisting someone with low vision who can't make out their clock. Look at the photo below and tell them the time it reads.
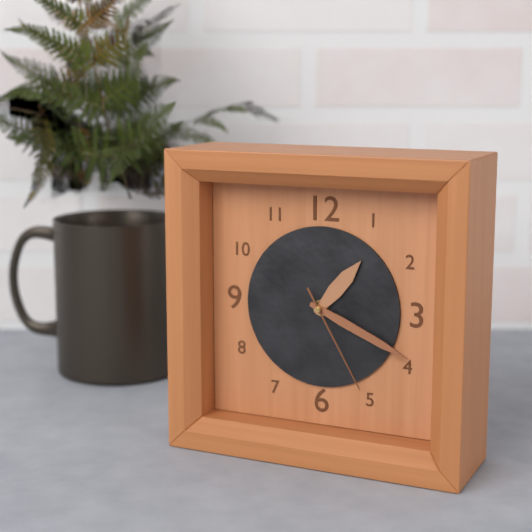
1:19:25
